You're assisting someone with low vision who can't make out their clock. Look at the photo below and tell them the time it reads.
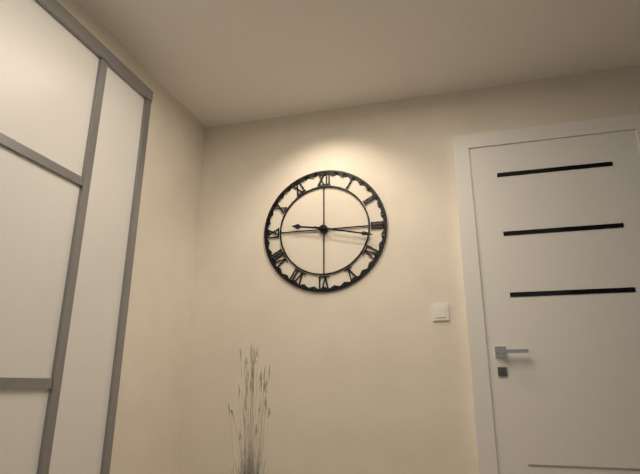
9:17
